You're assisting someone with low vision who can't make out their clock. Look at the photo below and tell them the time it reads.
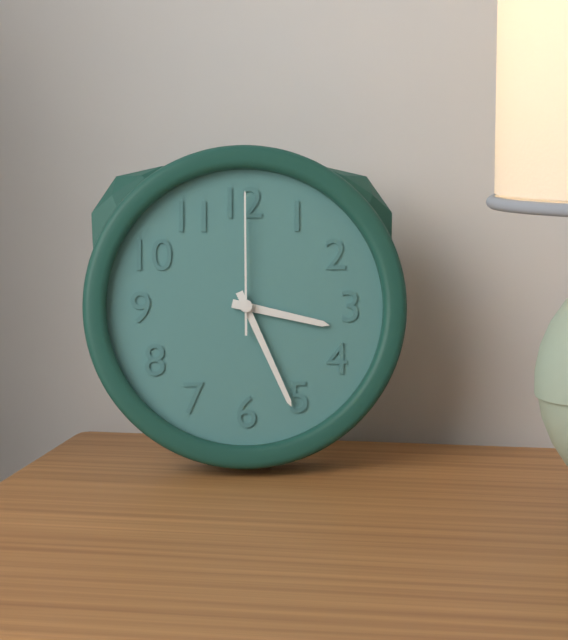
3:26:00
